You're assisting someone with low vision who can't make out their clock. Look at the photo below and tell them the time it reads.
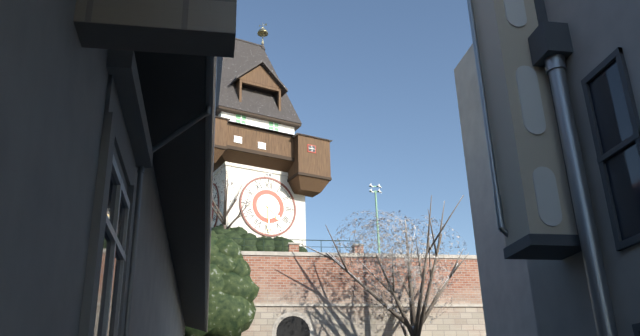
4:30
